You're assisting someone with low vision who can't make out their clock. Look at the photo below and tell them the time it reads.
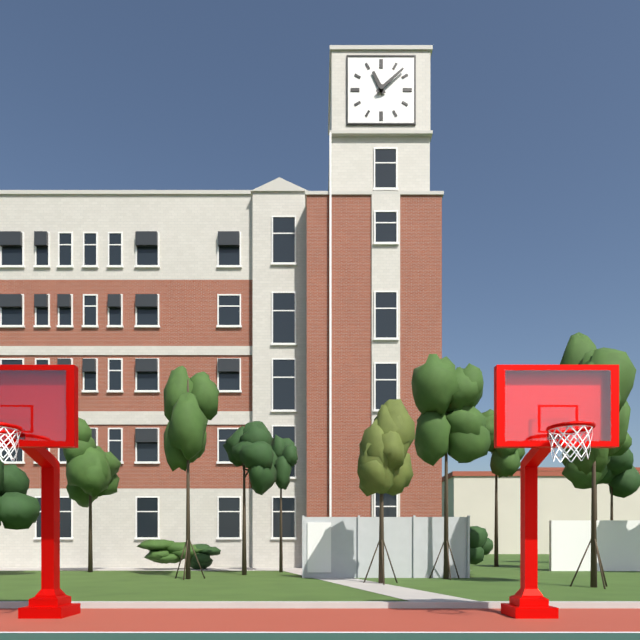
11:08
